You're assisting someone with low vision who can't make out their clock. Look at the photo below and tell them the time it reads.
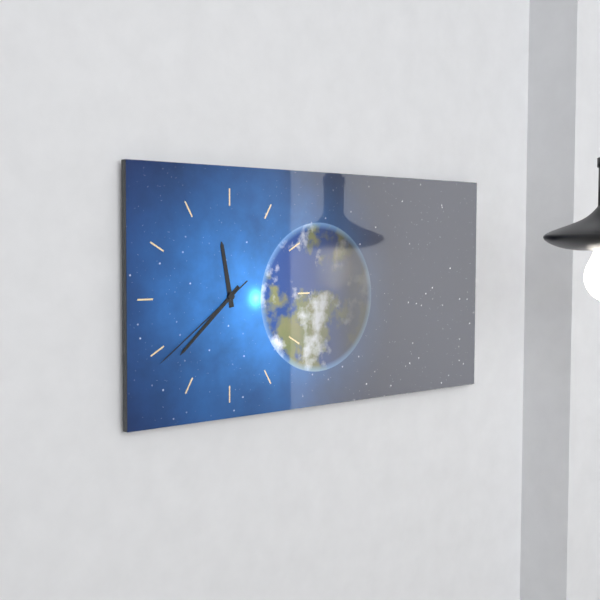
11:38:39
